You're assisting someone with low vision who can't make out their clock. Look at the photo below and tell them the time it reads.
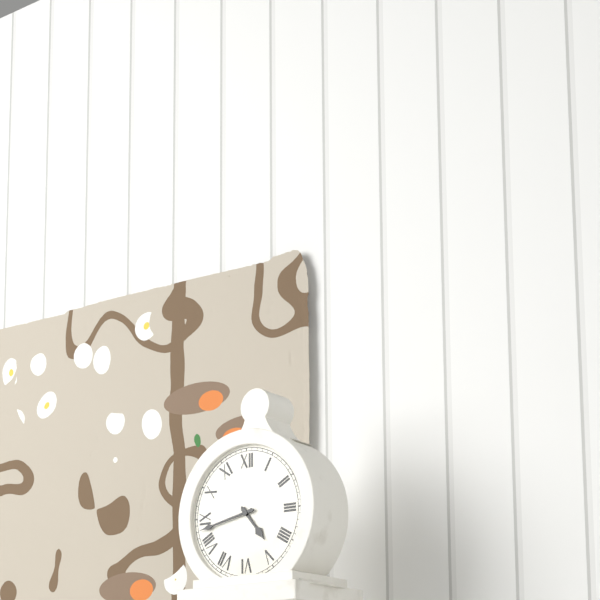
4:43
